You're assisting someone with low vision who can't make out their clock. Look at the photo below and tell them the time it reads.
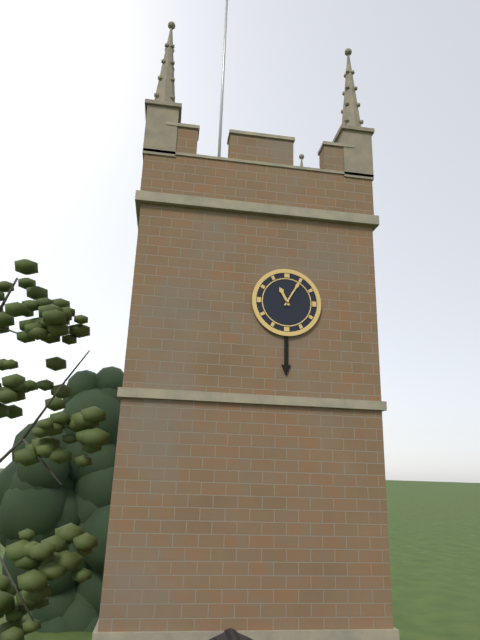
11:05
